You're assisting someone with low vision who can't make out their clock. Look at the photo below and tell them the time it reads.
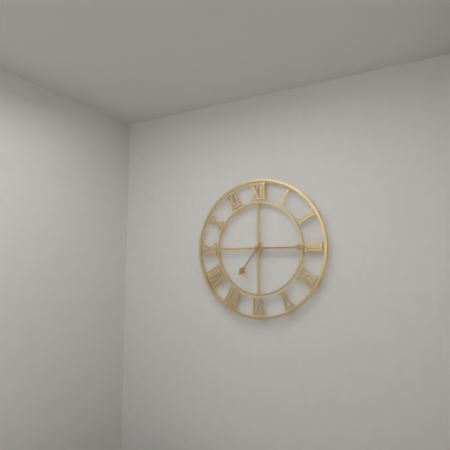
7:15
